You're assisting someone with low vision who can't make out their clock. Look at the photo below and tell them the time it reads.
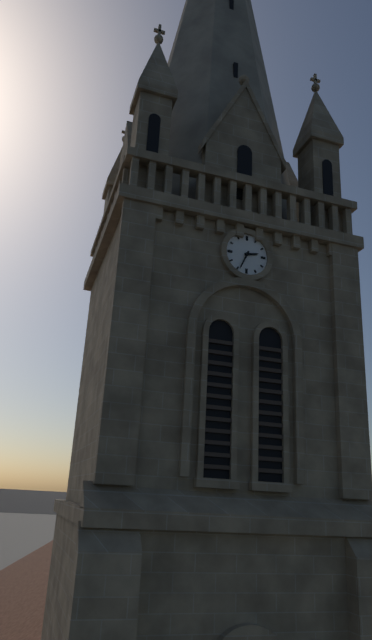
2:34
